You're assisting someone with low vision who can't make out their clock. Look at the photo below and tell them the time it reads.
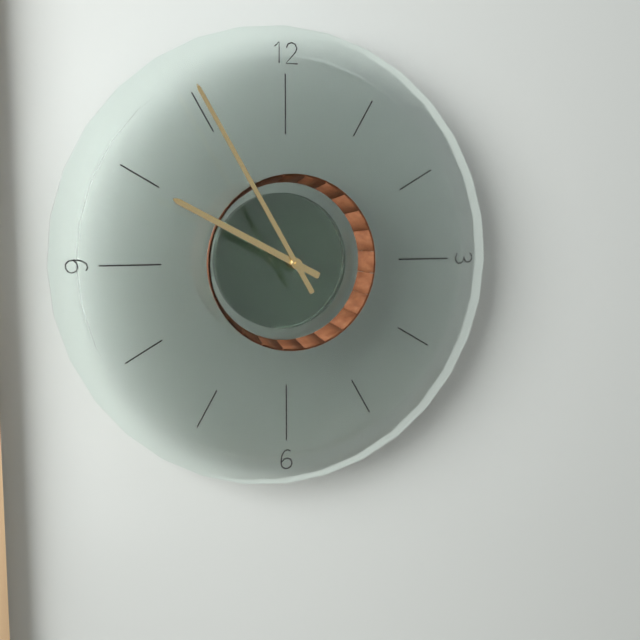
9:55
